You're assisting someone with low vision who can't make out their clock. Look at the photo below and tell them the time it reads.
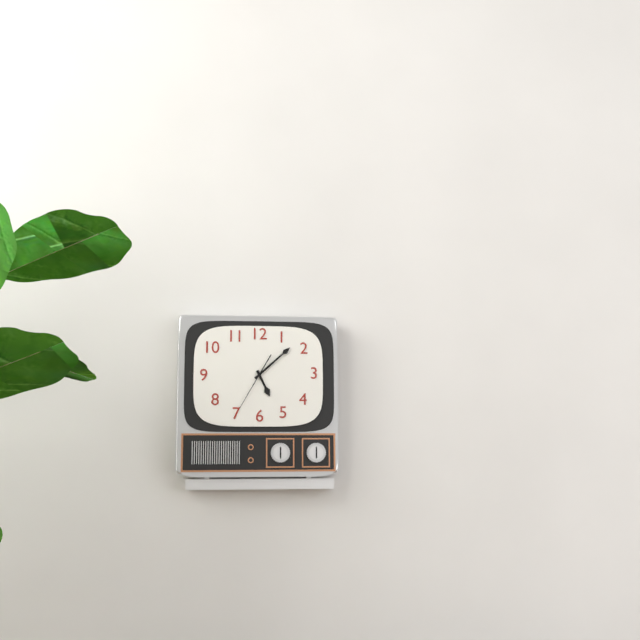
5:08:35
